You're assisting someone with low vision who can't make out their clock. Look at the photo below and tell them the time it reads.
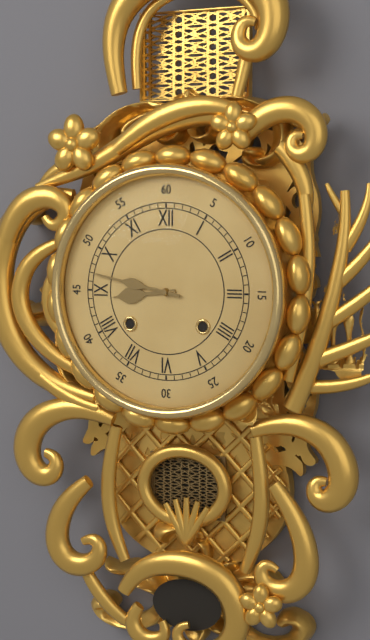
8:47
